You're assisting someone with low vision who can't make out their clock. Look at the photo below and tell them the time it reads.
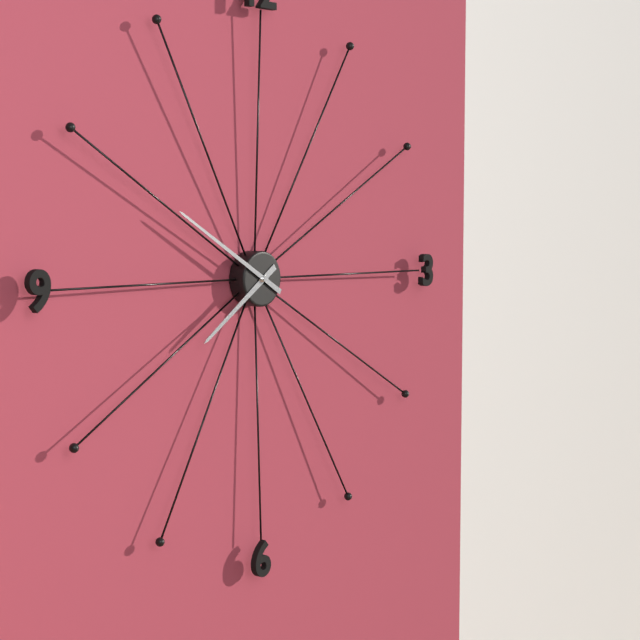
7:50
